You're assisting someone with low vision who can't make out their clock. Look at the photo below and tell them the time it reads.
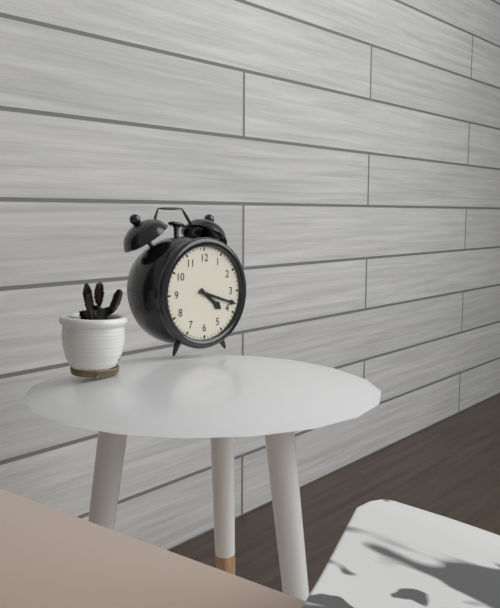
4:18
